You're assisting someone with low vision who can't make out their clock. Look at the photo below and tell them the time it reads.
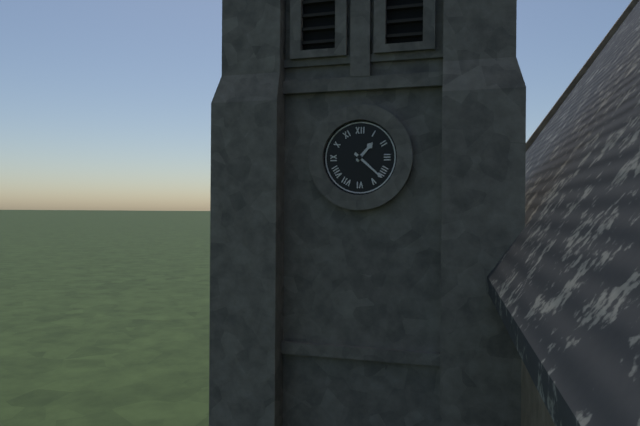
1:22
